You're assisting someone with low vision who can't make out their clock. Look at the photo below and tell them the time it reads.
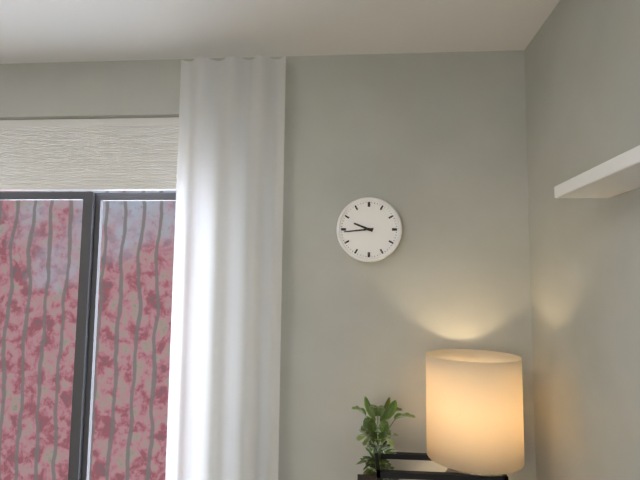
9:44
